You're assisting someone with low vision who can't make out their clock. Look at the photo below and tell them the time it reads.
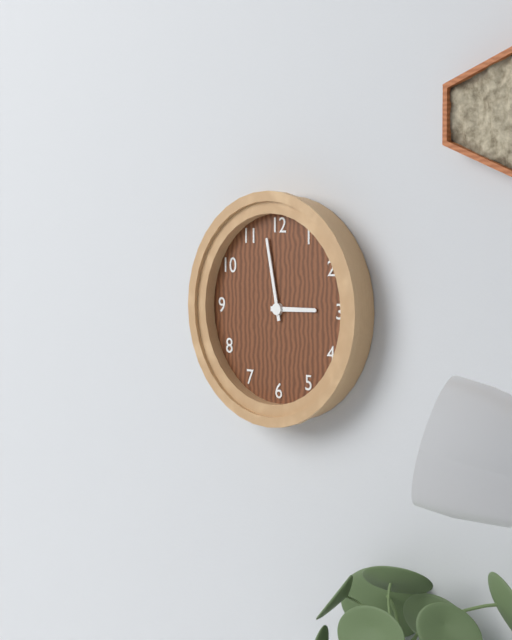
2:58
